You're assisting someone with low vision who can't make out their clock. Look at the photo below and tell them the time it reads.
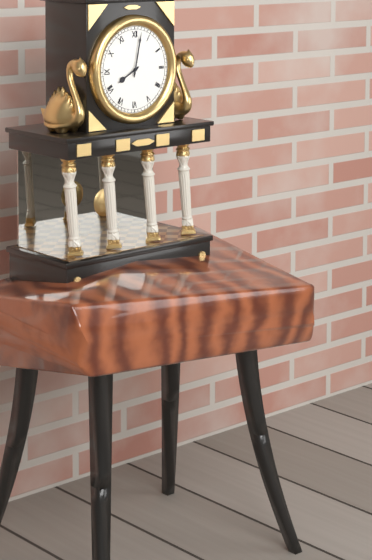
8:02
